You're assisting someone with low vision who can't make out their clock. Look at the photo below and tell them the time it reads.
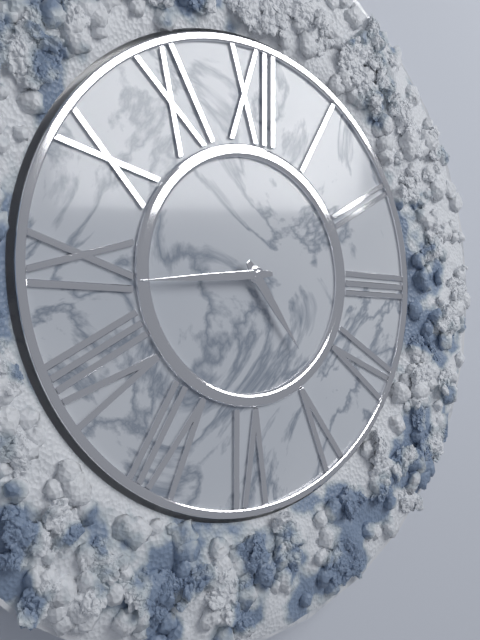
4:44
